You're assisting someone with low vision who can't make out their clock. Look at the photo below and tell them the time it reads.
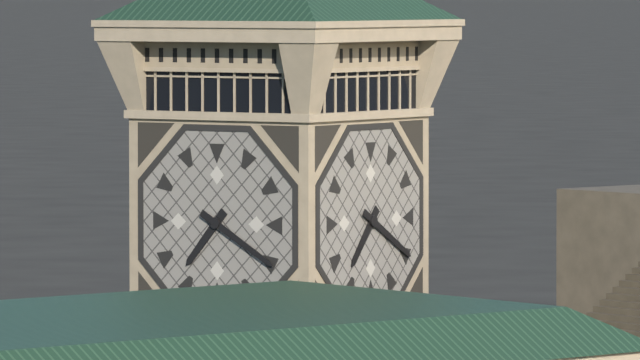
7:20
